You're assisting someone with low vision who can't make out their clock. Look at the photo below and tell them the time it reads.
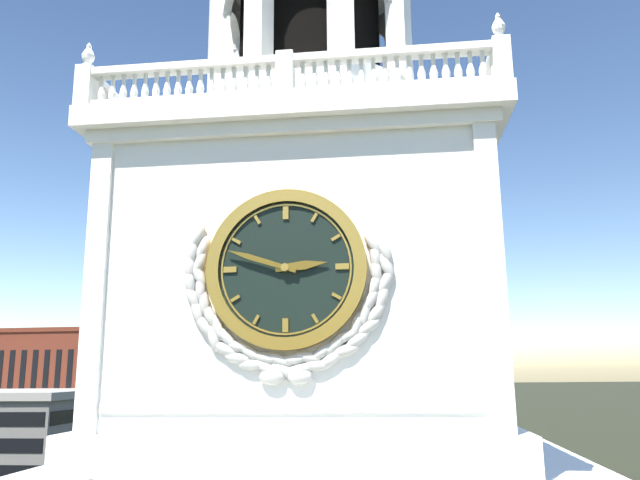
2:48
